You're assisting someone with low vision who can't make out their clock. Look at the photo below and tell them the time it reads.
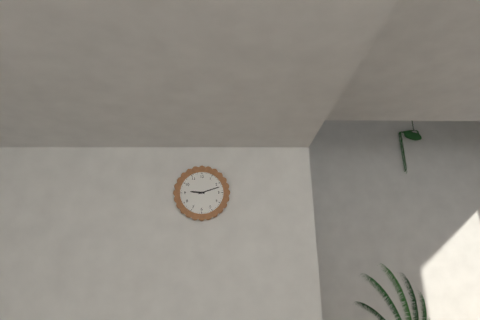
9:12
